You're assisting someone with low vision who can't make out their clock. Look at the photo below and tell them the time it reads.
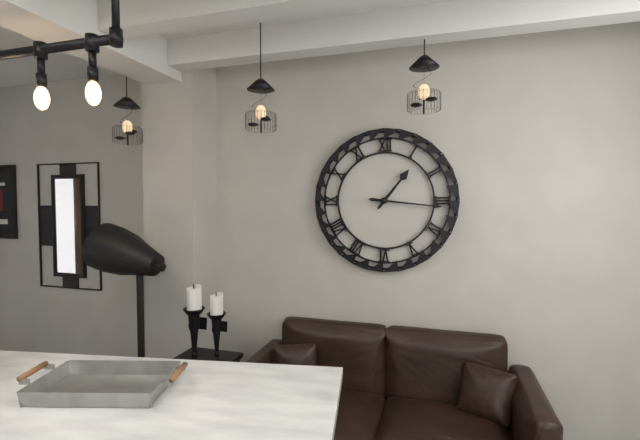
1:16
